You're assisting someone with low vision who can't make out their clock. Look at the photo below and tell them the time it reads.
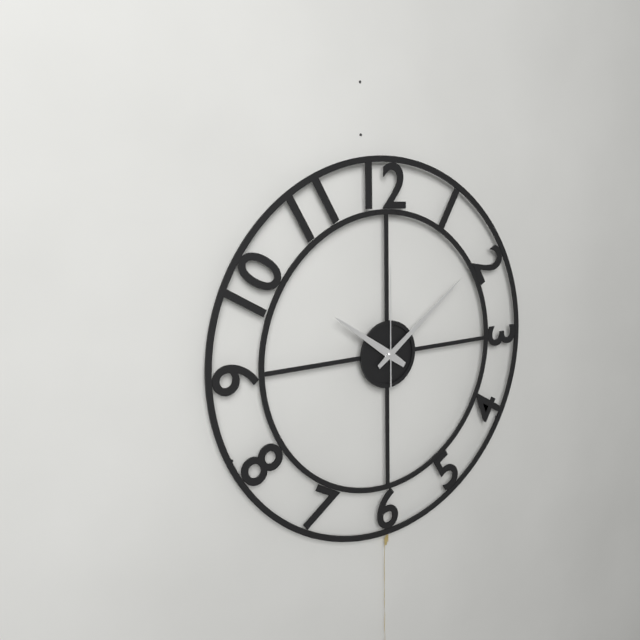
10:09:00
